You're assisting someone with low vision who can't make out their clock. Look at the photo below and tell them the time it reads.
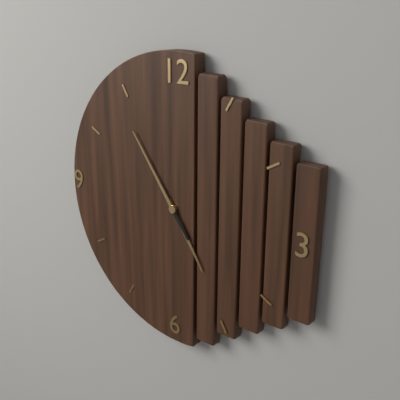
4:54
